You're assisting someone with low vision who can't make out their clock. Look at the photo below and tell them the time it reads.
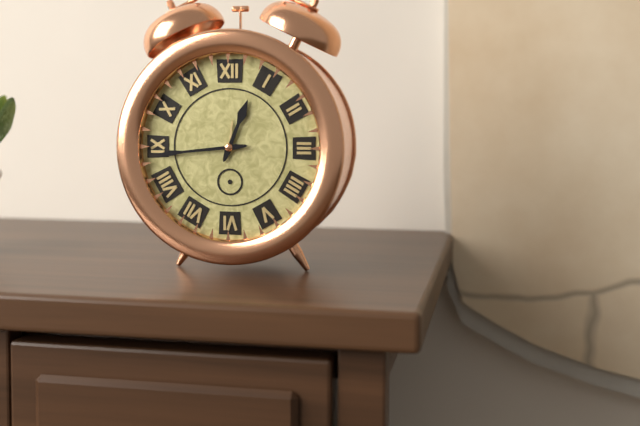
12:44
